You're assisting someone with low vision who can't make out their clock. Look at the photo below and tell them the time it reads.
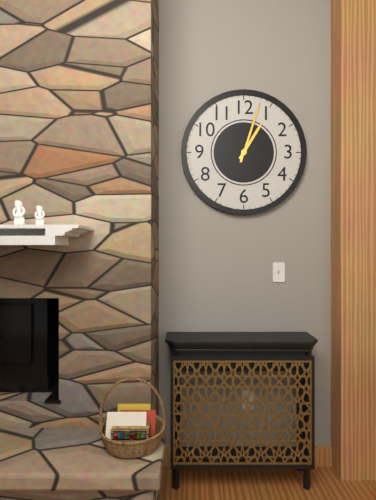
1:03
